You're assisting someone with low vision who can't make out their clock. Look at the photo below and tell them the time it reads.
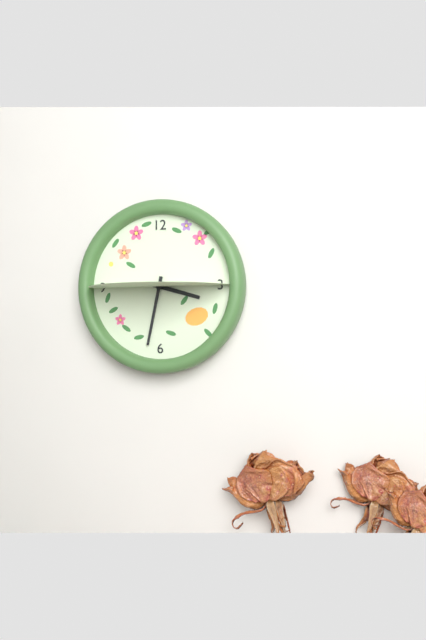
3:32
